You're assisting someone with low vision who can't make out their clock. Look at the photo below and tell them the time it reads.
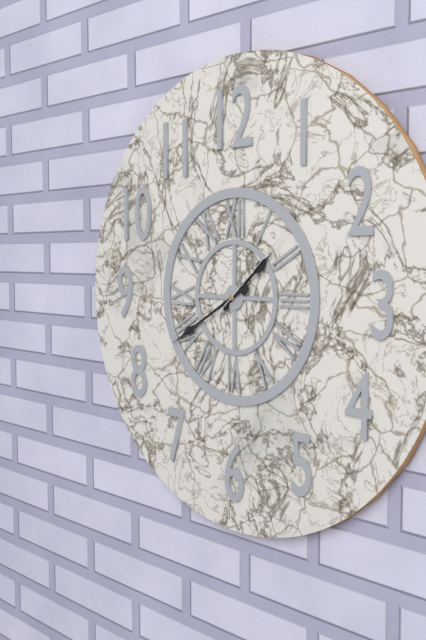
1:40:08
